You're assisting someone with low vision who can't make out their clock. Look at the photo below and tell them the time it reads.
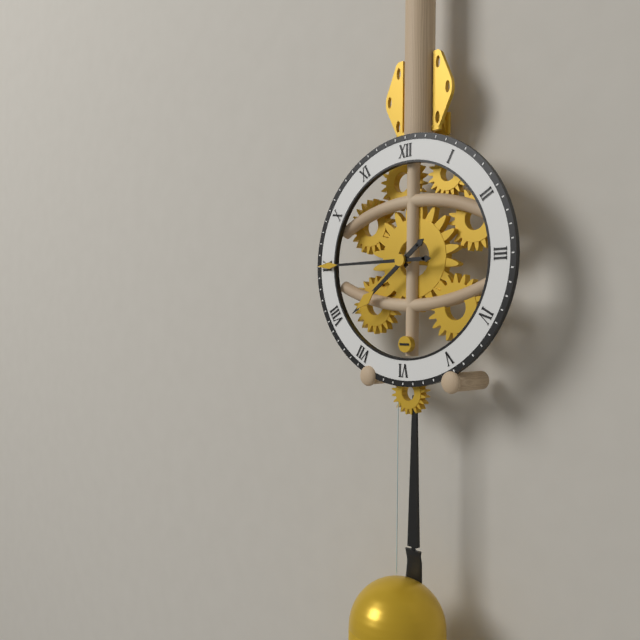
7:45
